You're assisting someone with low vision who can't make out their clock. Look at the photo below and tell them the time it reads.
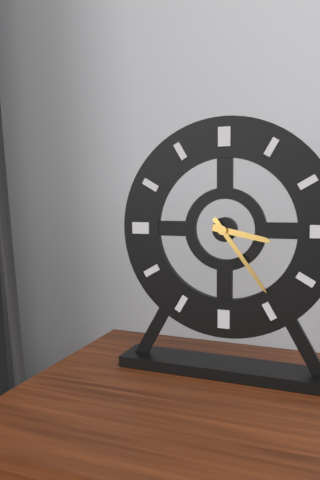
3:24
